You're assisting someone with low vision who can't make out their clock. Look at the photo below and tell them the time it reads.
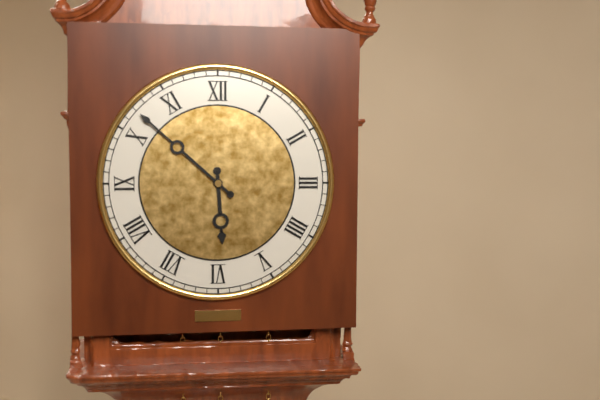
5:52
